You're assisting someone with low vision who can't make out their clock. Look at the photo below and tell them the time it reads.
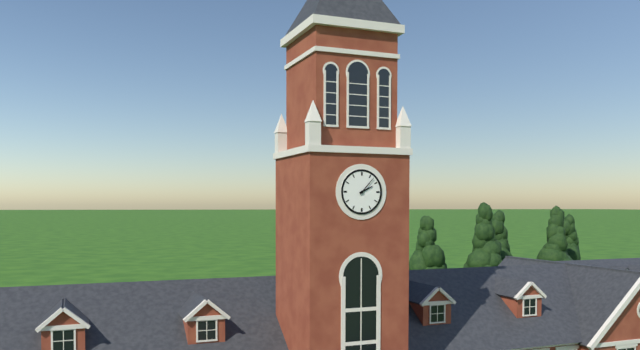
2:07
